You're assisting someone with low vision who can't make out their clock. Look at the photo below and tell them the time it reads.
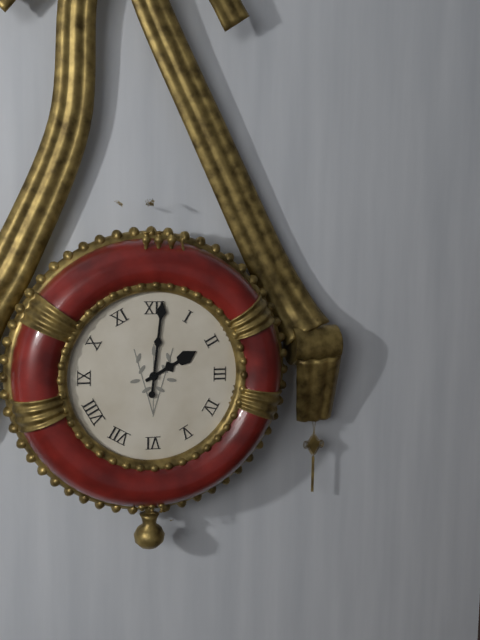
2:01
